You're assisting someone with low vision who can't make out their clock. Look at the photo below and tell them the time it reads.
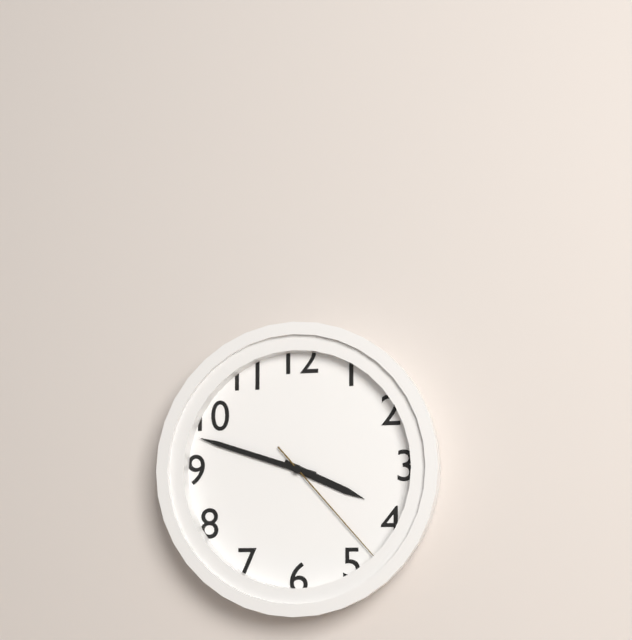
3:48:23
